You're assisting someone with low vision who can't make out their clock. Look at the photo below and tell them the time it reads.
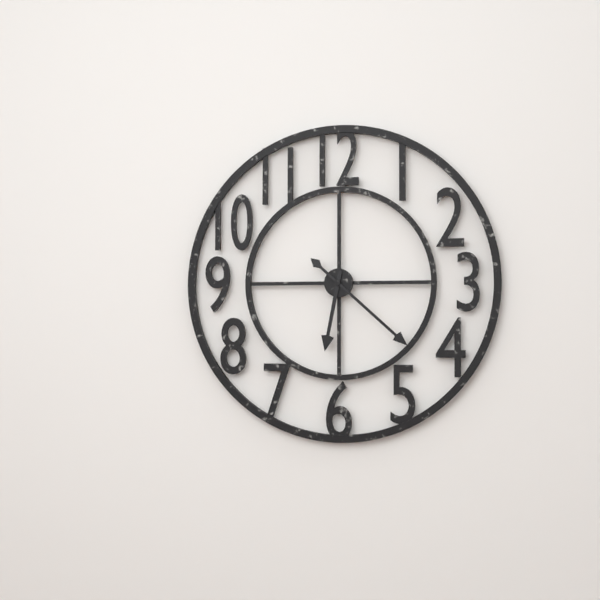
6:22
